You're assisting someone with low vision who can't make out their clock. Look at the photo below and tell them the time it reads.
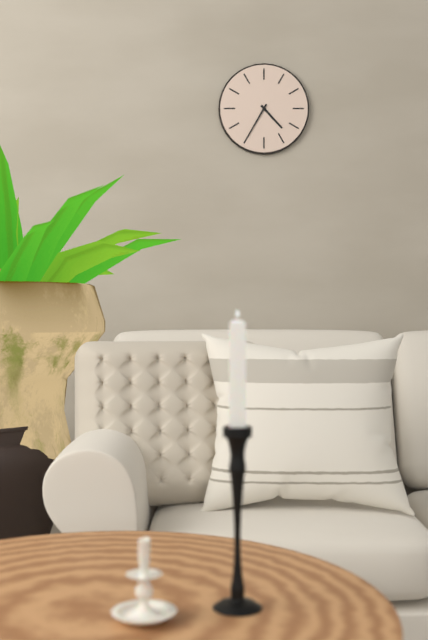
4:35
